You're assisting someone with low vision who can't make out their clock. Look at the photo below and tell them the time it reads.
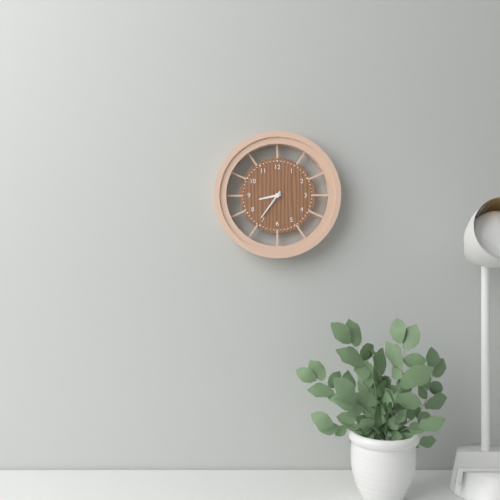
8:36
